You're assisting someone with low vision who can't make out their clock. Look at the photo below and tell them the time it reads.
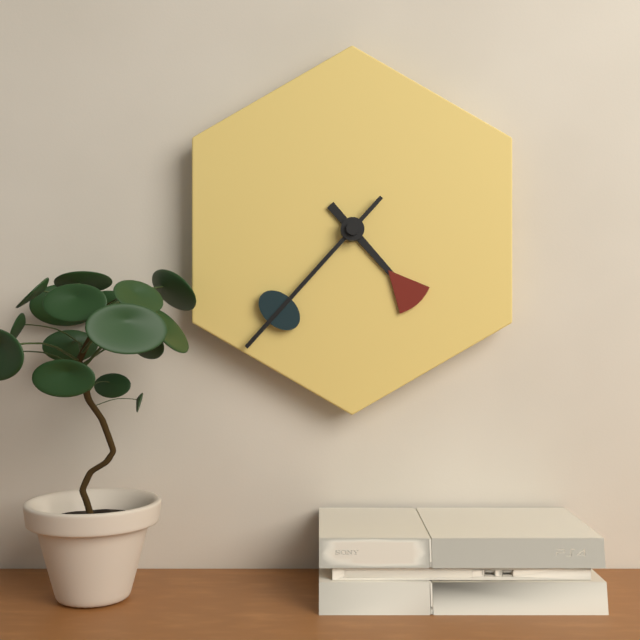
4:37
